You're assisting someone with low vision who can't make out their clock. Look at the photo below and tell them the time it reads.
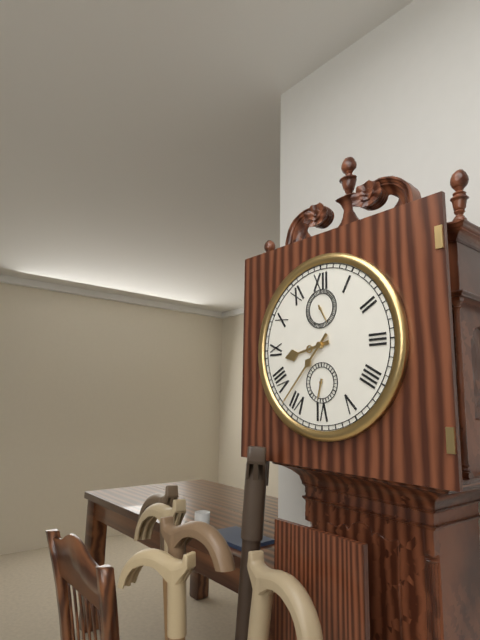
8:37
